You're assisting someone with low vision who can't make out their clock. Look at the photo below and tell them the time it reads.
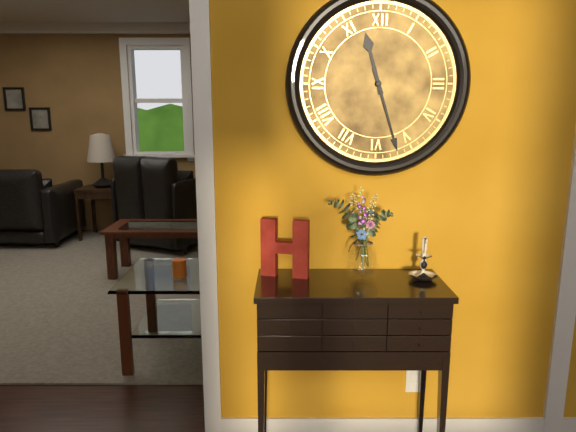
11:27
